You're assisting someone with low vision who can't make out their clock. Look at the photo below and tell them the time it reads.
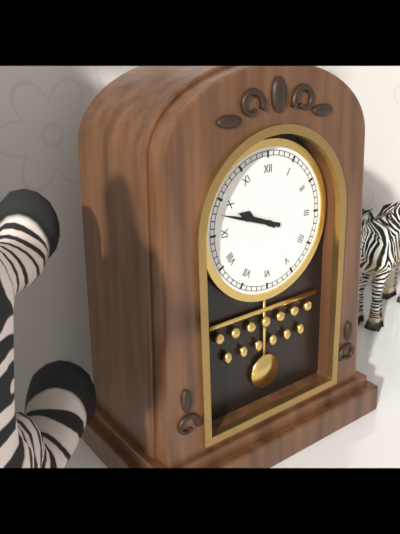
9:48
